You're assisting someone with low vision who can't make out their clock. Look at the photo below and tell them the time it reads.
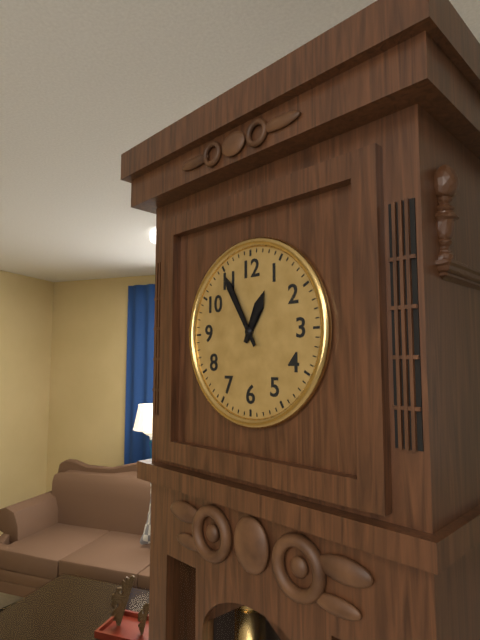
12:55
